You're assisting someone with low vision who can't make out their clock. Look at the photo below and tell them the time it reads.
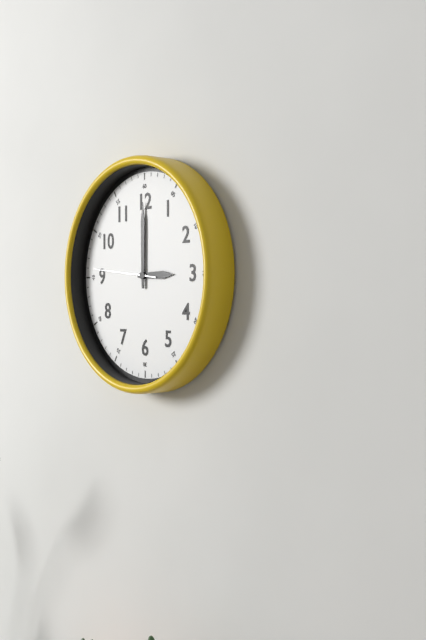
3:00:46
